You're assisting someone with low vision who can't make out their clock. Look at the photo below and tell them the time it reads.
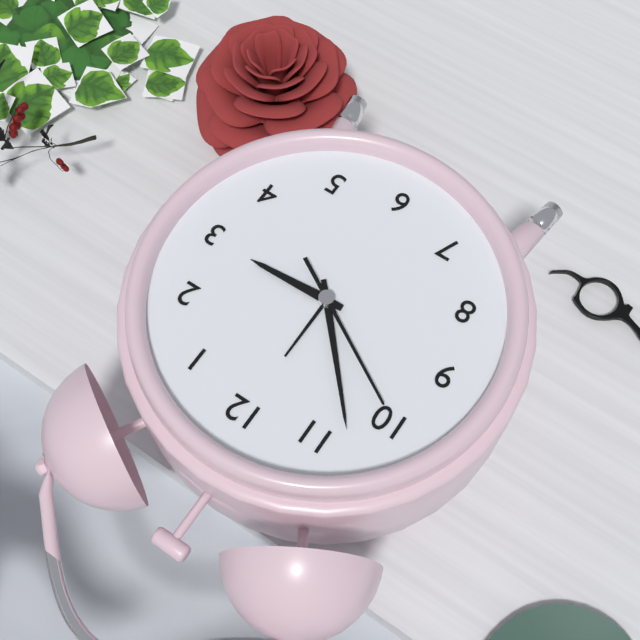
2:53:50
